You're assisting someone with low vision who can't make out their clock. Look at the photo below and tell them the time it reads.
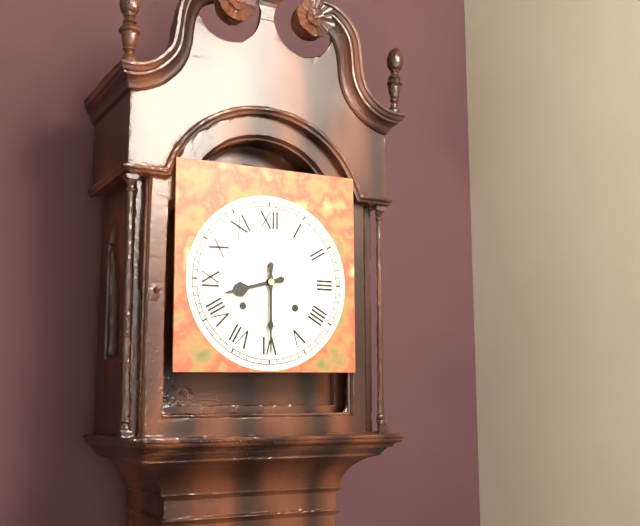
8:30
